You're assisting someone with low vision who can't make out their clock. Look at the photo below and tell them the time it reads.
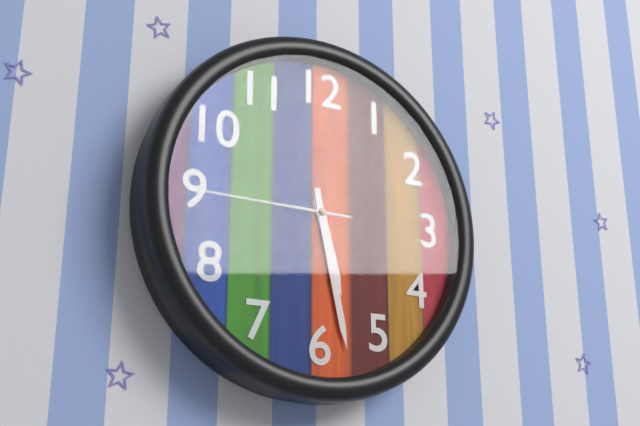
5:28:45
